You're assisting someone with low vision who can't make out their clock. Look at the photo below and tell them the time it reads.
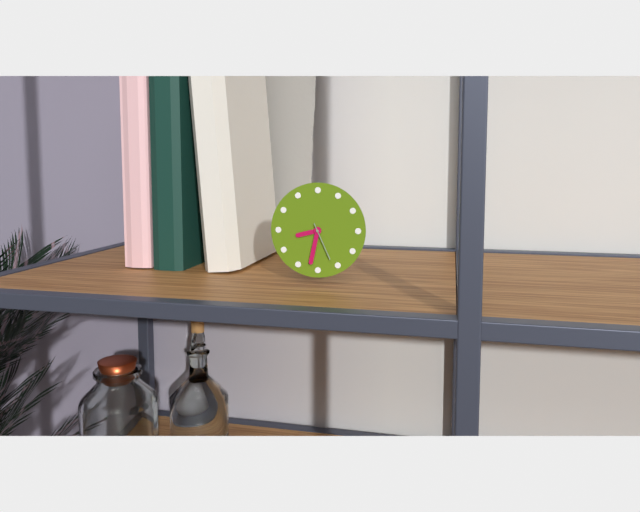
8:32
